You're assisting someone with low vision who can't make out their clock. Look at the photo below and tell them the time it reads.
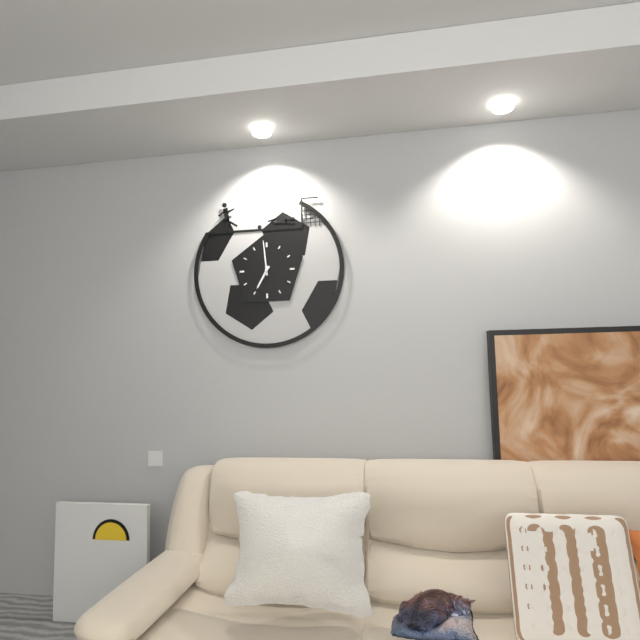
6:59
